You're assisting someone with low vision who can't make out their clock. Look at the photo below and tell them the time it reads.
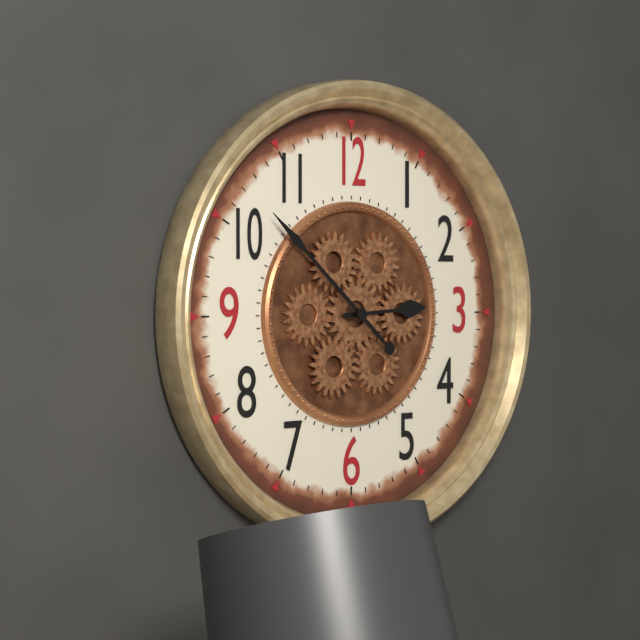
2:52
